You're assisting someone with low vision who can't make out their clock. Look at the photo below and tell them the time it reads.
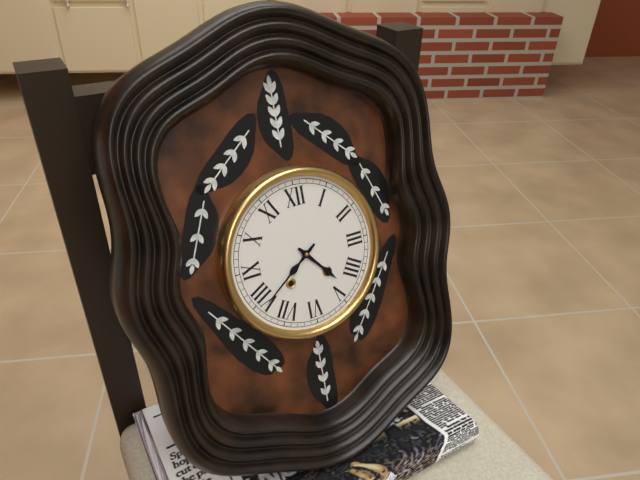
4:39
